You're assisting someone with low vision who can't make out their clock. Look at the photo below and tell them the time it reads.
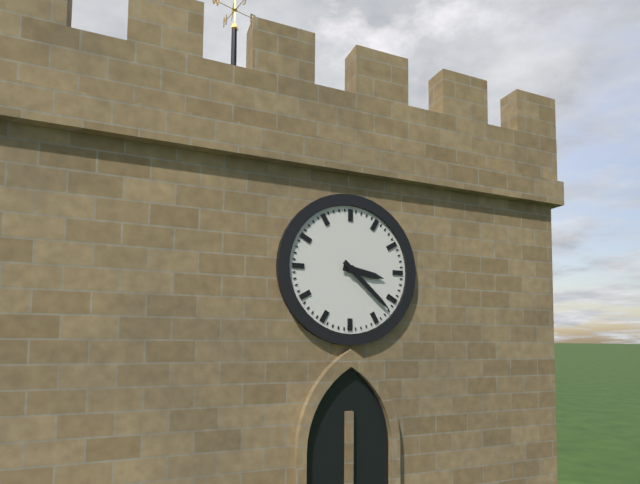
3:22
